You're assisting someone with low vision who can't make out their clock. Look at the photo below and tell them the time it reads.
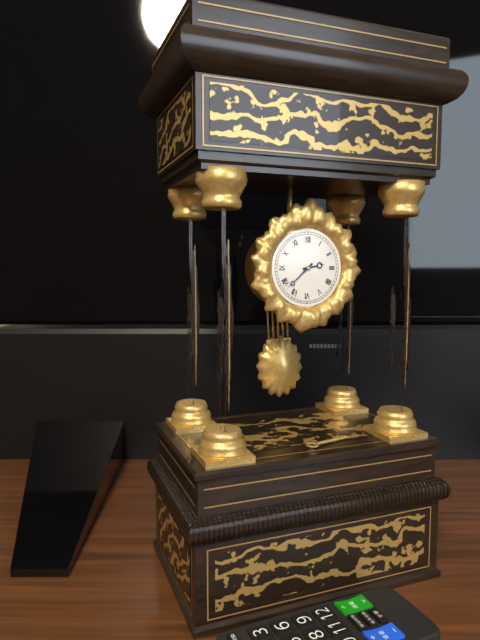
2:38
